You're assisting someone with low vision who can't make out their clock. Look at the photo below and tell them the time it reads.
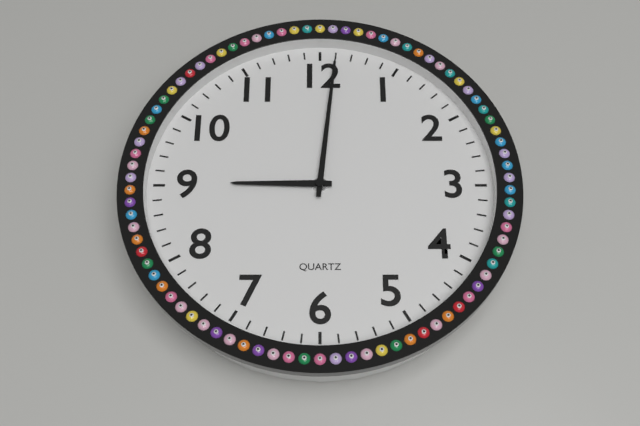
9:01
